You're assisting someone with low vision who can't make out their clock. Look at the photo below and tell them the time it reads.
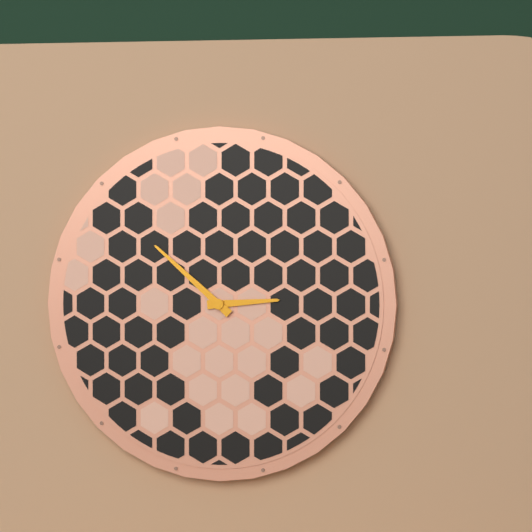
2:52
